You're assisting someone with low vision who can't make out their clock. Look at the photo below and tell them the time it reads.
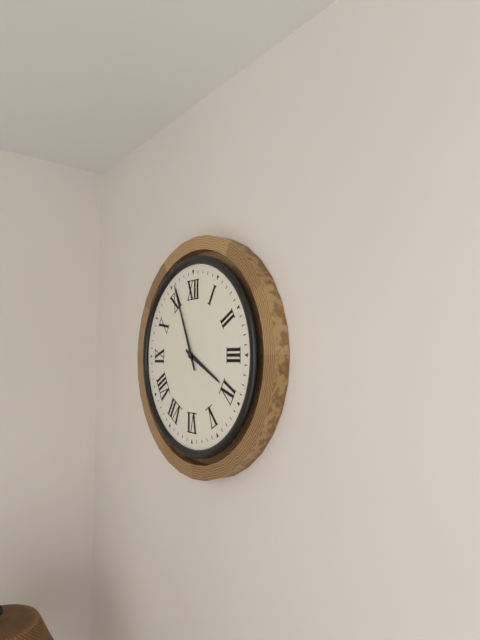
3:56
